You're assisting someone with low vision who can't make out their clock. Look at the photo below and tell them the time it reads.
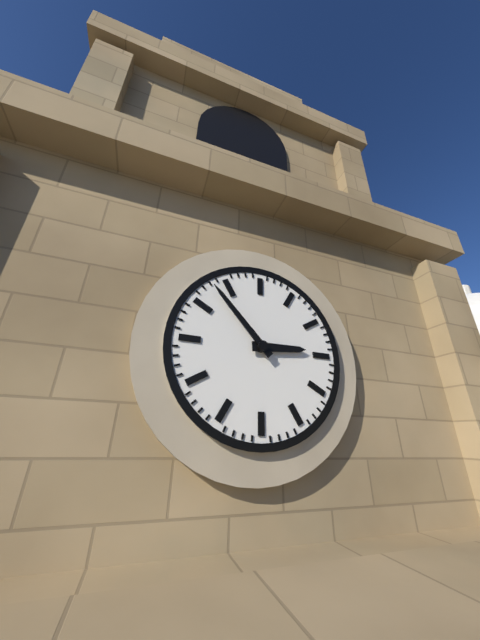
2:53
